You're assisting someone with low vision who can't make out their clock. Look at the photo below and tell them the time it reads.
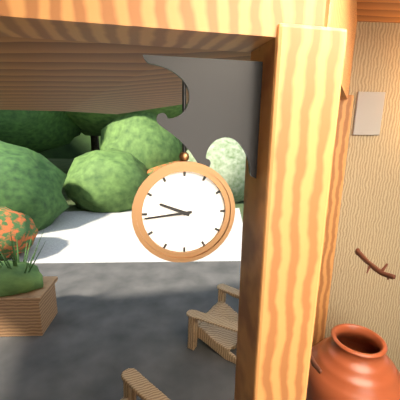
9:44
